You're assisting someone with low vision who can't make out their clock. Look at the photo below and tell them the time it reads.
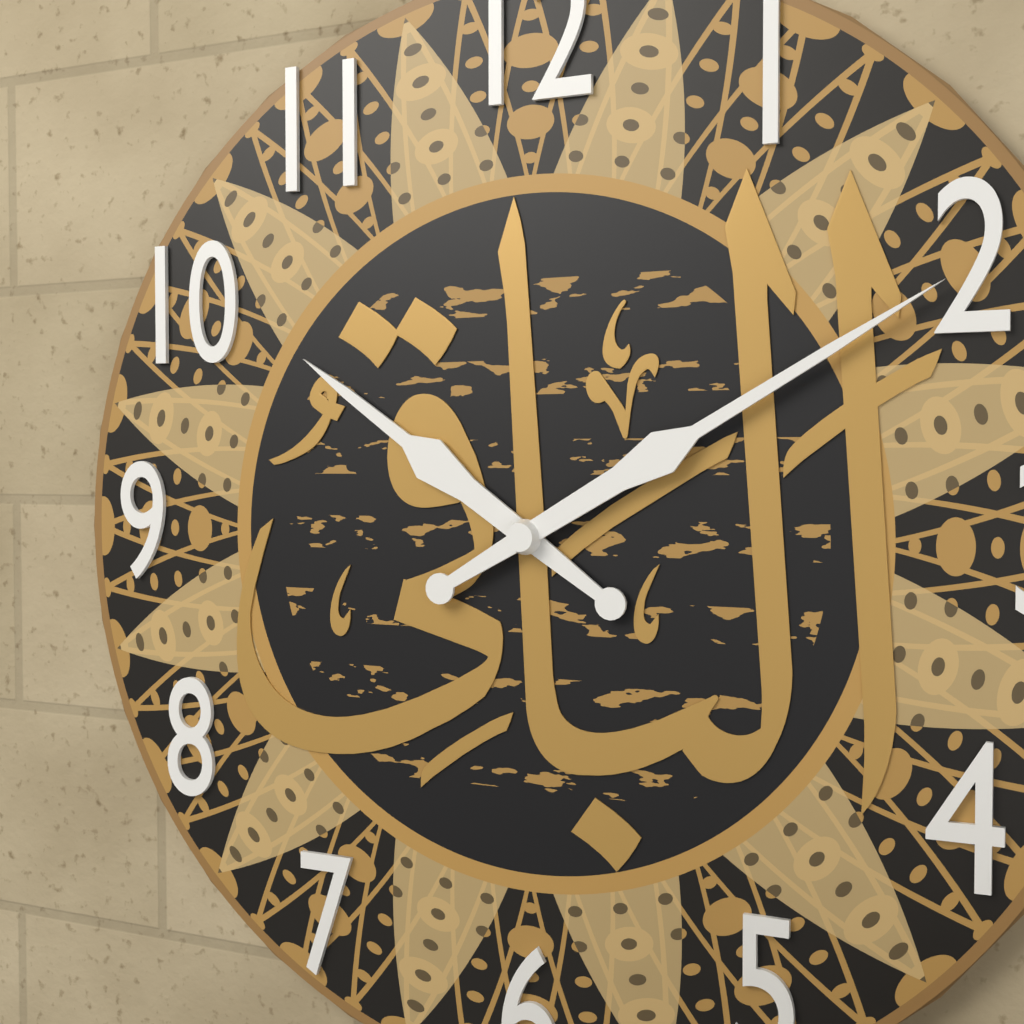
10:10
